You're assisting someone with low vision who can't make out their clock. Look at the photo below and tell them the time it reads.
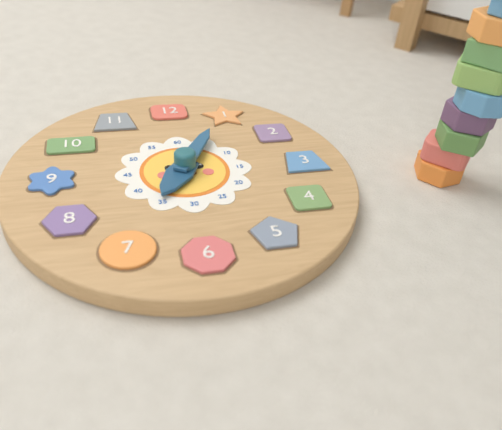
7:05
